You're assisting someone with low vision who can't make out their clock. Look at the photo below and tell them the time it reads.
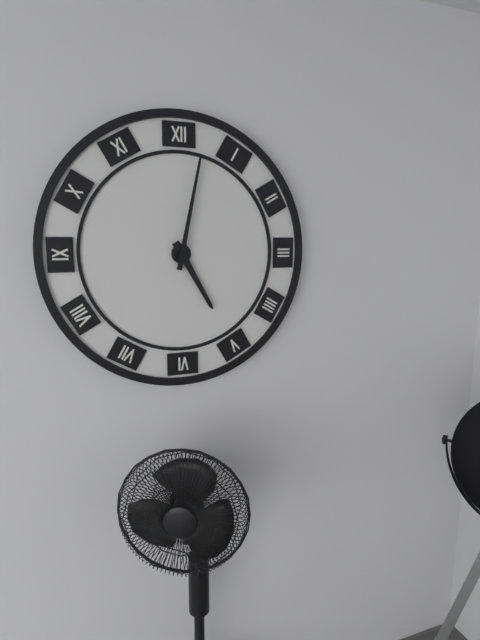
5:02
